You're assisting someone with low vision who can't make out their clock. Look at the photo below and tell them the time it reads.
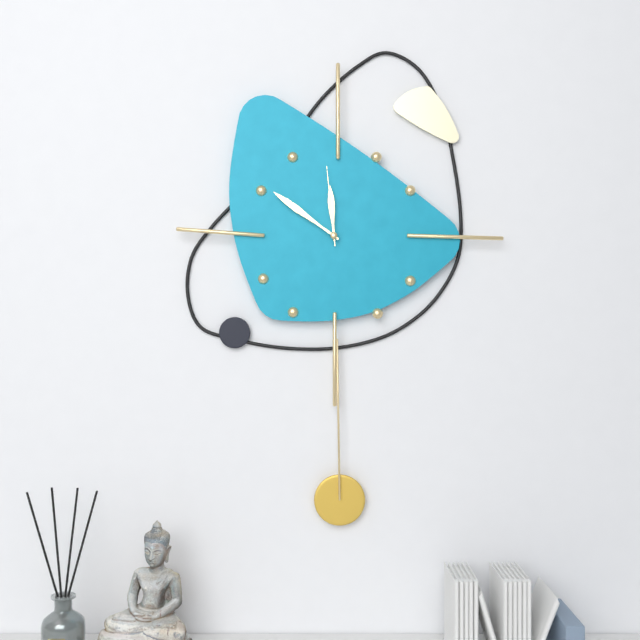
11:51:59
